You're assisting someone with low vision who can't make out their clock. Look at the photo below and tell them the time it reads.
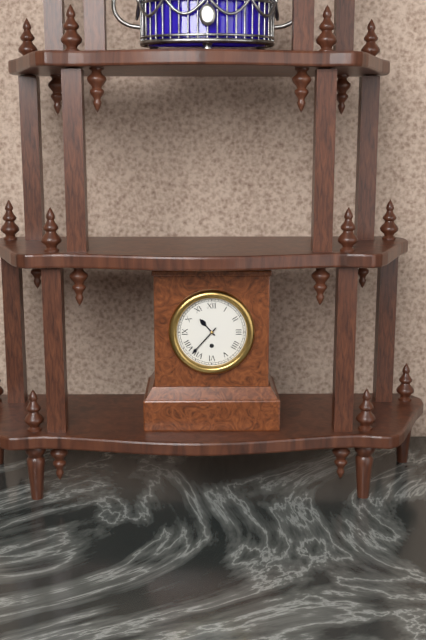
10:37
